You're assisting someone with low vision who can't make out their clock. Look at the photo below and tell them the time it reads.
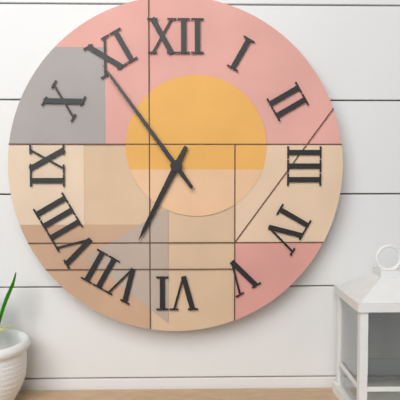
6:54
